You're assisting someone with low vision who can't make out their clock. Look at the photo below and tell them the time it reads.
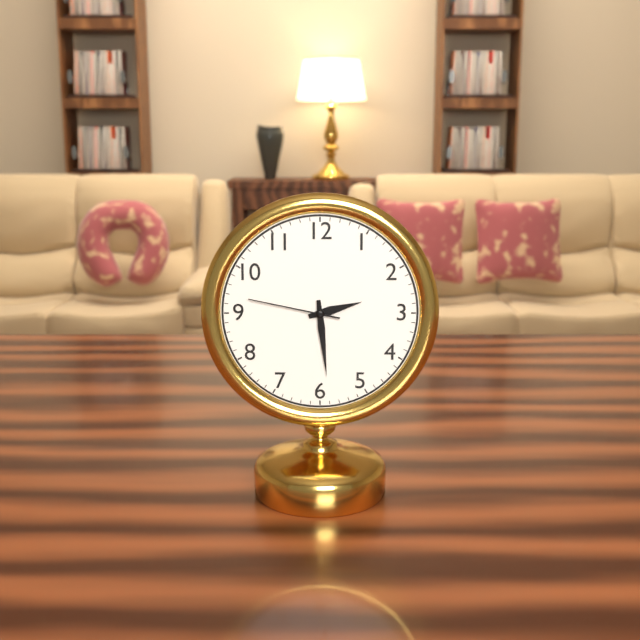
2:29:47
